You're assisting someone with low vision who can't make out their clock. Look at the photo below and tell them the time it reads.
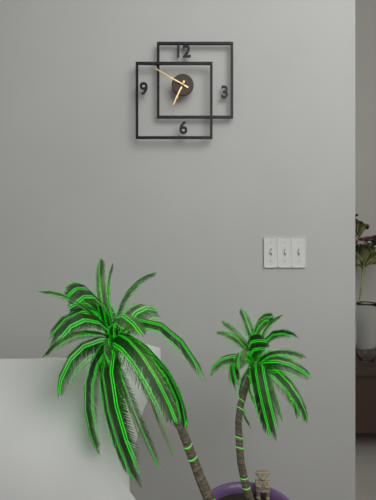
6:50
